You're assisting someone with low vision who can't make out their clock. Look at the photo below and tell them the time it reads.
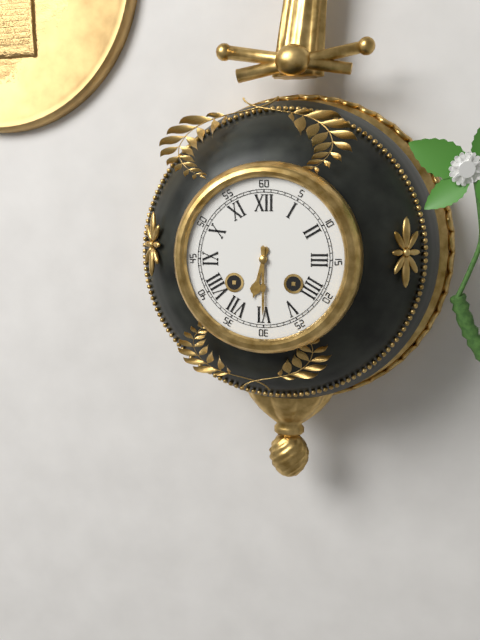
6:30
